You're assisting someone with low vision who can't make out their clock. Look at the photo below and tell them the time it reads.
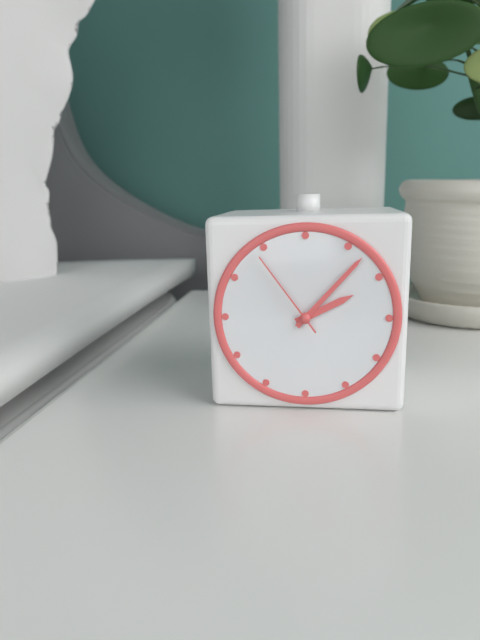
2:07:54
